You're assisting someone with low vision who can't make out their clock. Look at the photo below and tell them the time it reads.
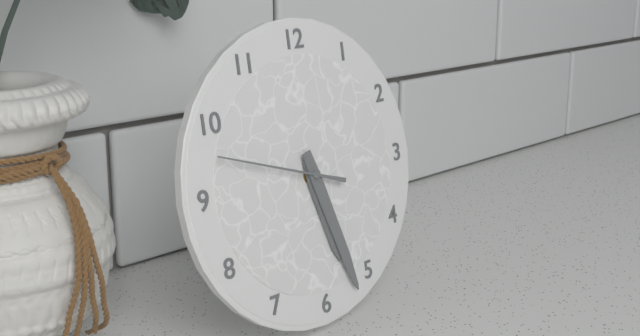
5:27:48
